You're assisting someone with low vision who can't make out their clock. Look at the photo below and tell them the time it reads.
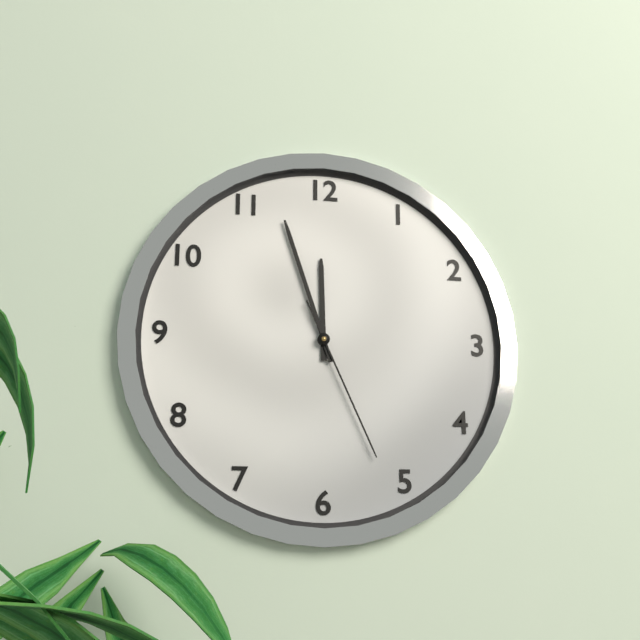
11:57:26
